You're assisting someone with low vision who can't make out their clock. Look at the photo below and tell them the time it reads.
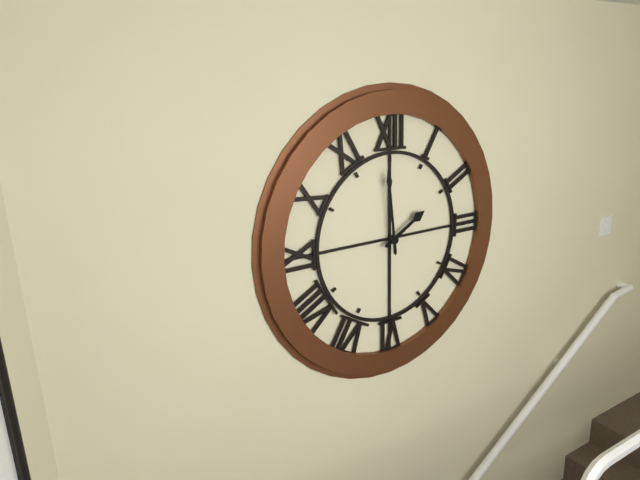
1:59
